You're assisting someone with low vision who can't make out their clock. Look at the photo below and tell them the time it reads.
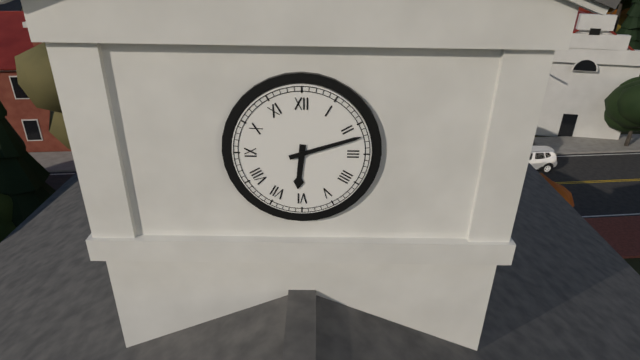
6:12
